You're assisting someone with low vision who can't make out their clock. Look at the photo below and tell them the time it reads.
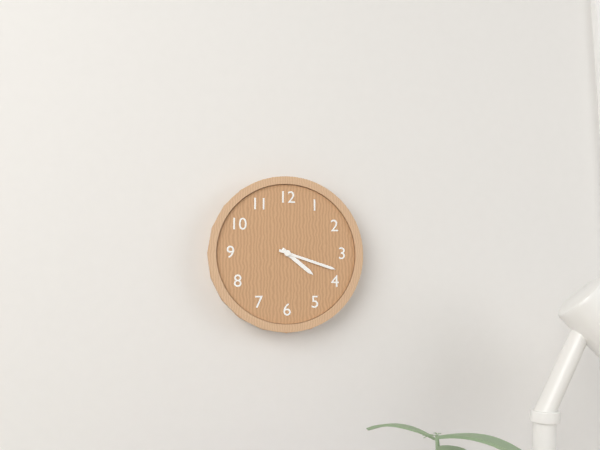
4:18
